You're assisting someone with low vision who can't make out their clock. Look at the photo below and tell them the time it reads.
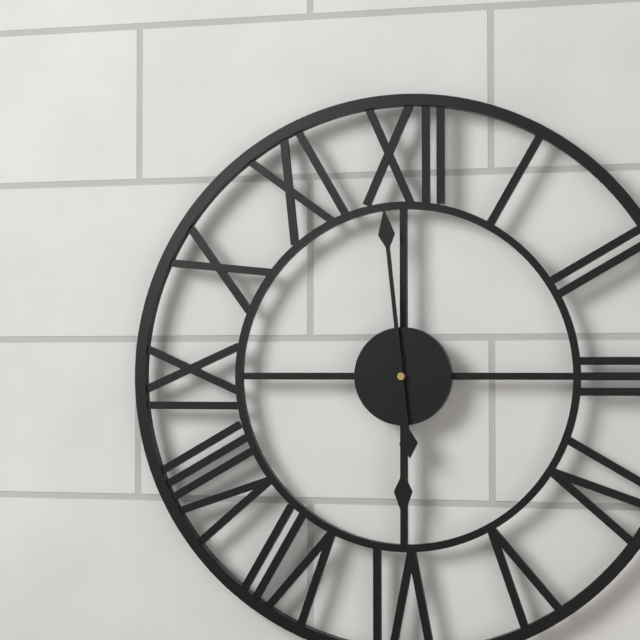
5:59
